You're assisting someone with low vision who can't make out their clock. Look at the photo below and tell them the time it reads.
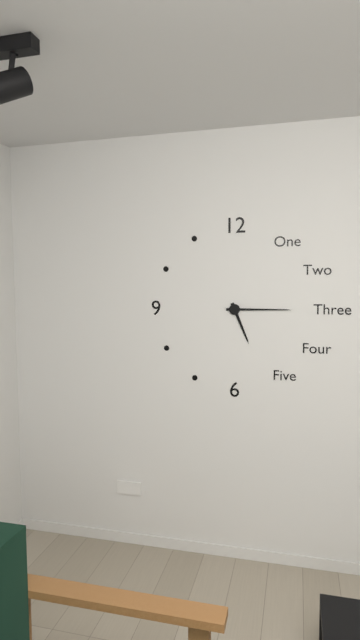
5:15
